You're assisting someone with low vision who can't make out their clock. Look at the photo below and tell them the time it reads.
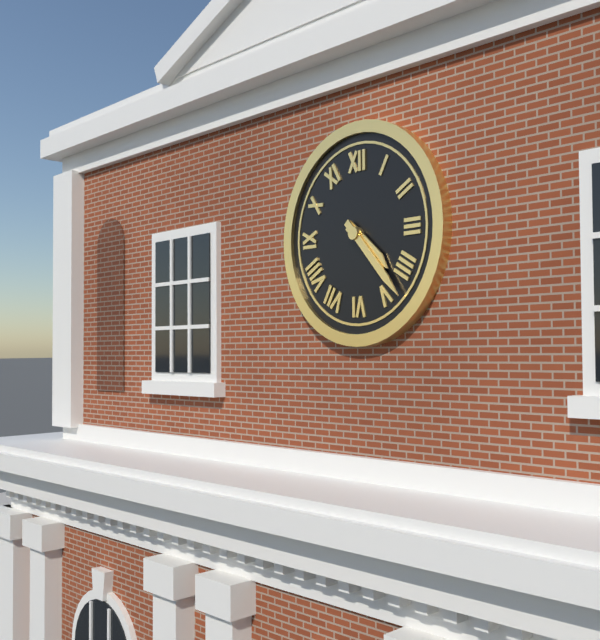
4:23
